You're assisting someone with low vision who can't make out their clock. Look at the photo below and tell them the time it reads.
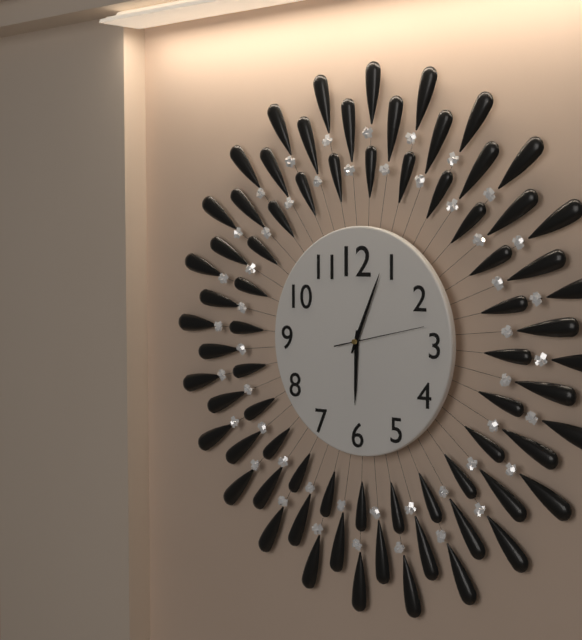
6:04:13
